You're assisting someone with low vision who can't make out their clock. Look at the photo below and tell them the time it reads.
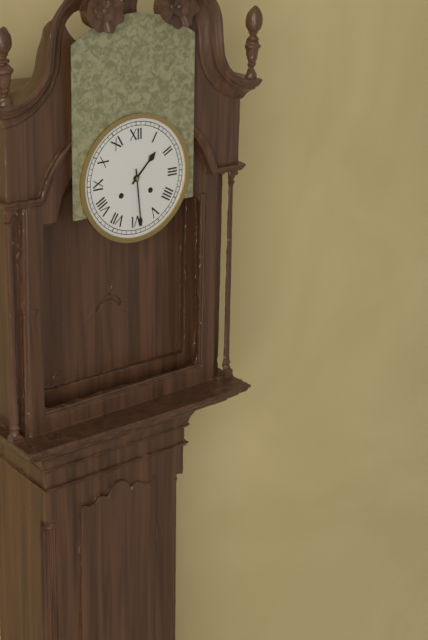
1:29
